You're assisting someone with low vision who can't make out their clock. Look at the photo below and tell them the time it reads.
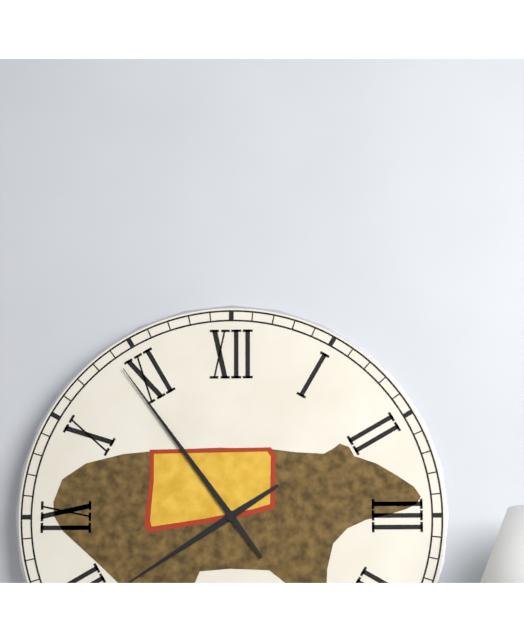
7:54
